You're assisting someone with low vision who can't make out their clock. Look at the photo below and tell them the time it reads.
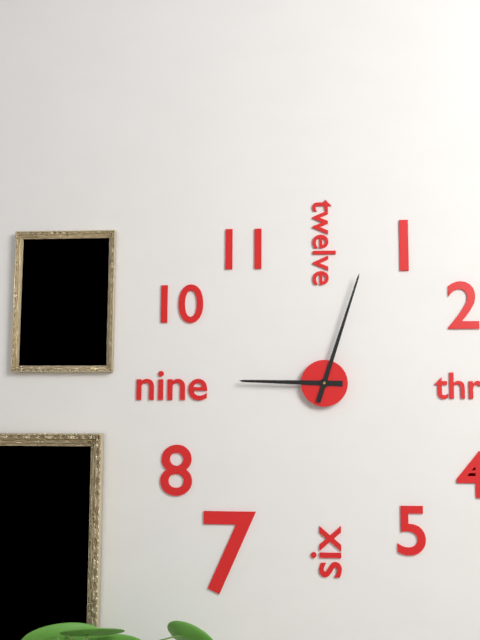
9:03
